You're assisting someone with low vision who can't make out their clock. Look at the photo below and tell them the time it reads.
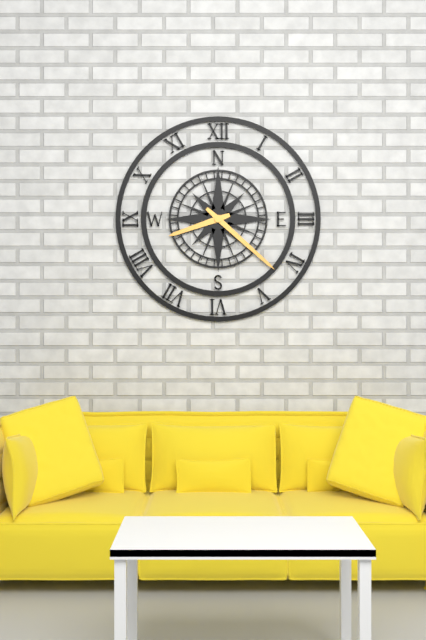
8:22
